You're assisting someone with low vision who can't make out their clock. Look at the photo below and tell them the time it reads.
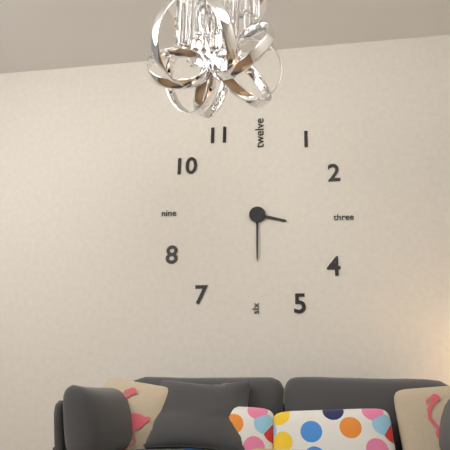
3:30
